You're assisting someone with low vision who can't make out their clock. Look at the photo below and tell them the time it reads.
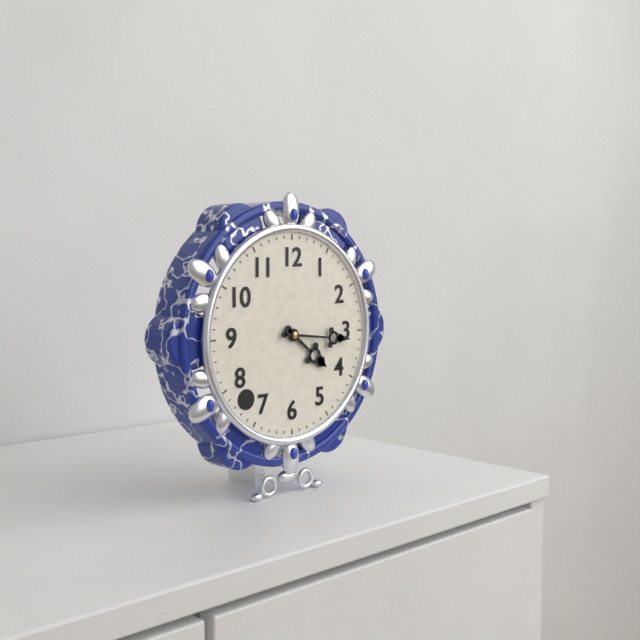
4:16
